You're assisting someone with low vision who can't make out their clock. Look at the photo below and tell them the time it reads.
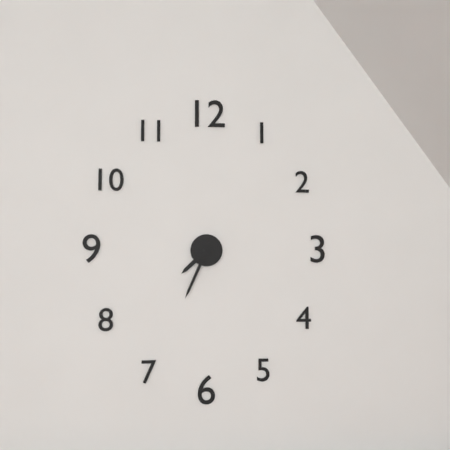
7:34
